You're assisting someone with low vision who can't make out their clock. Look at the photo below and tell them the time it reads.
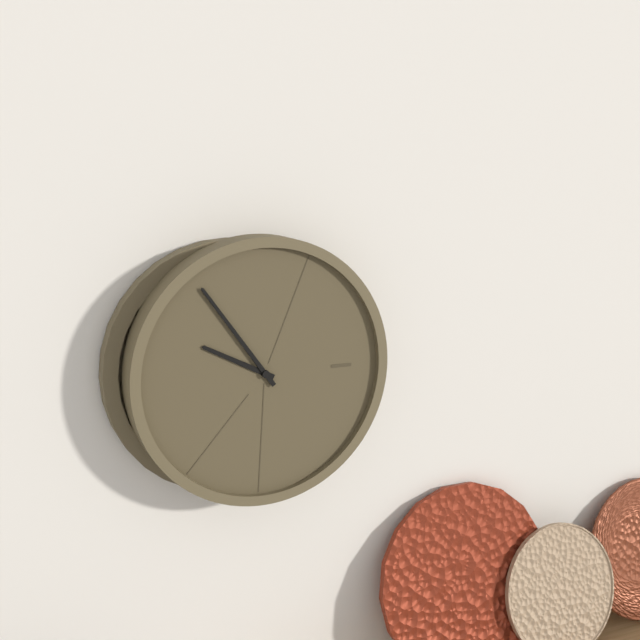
9:54
